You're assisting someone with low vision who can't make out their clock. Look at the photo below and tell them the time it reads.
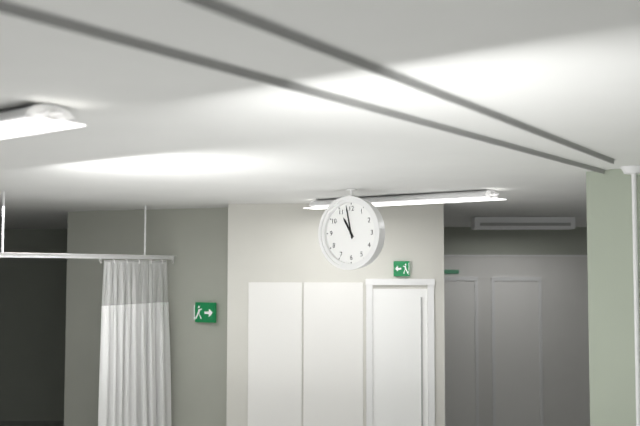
10:58
